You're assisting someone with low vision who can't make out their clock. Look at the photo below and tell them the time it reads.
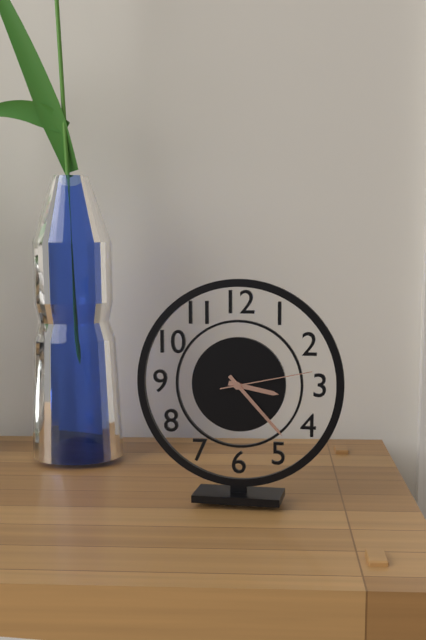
3:23:13
